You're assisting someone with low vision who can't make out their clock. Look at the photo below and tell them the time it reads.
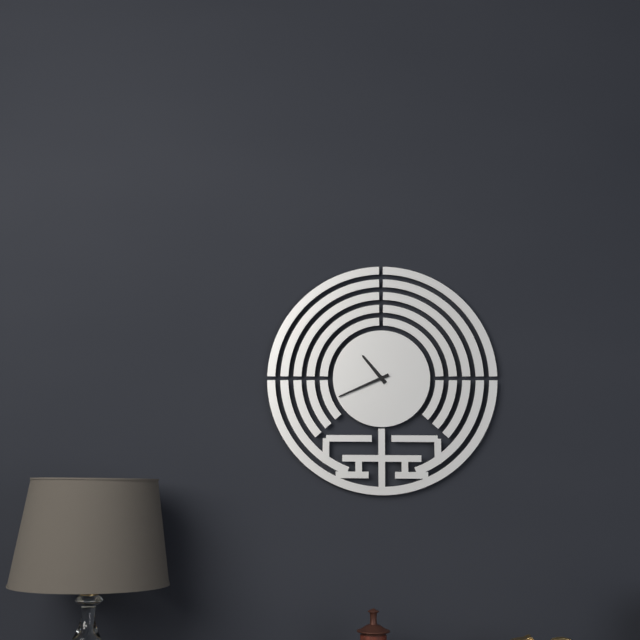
10:41
